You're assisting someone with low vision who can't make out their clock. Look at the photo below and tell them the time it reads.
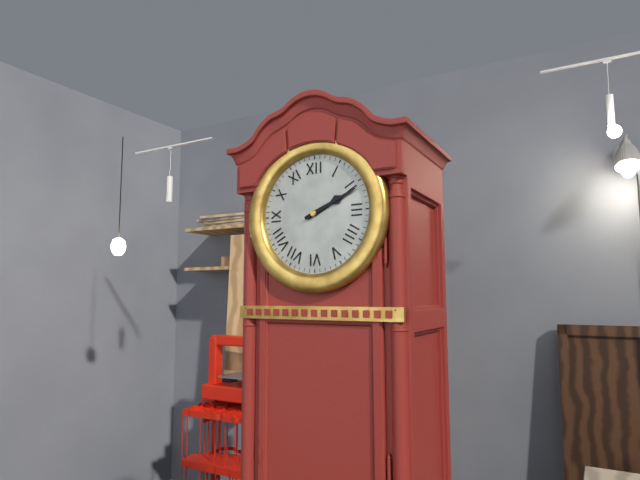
2:11
